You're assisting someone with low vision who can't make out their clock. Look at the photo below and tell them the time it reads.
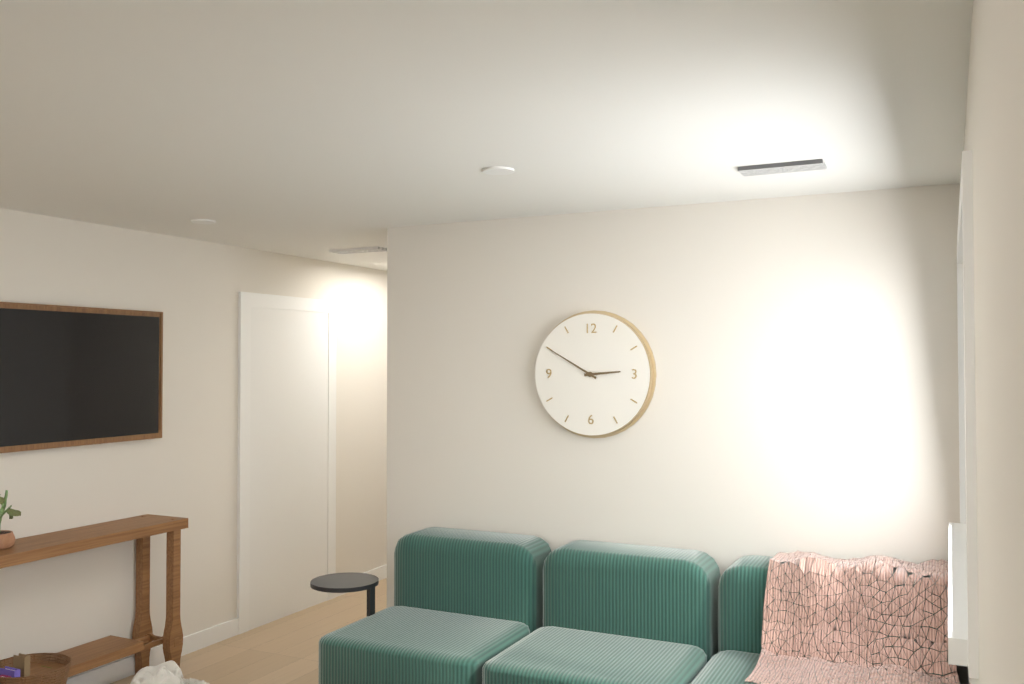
2:50
